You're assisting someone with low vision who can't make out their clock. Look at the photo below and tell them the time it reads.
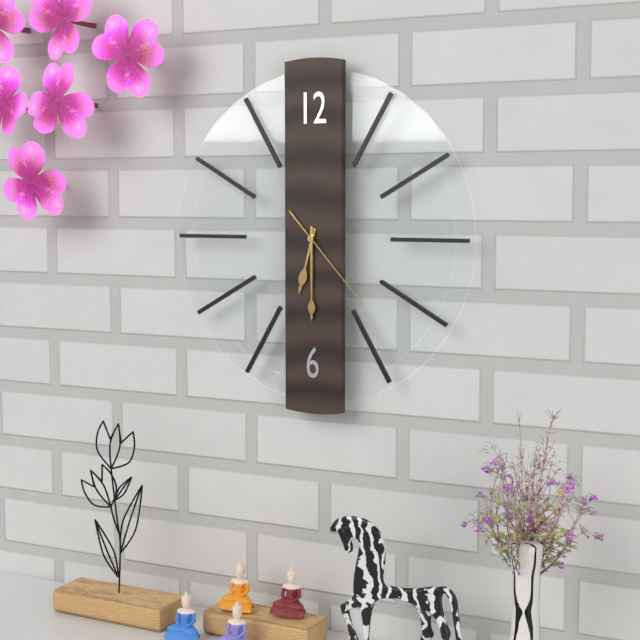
6:30:23
